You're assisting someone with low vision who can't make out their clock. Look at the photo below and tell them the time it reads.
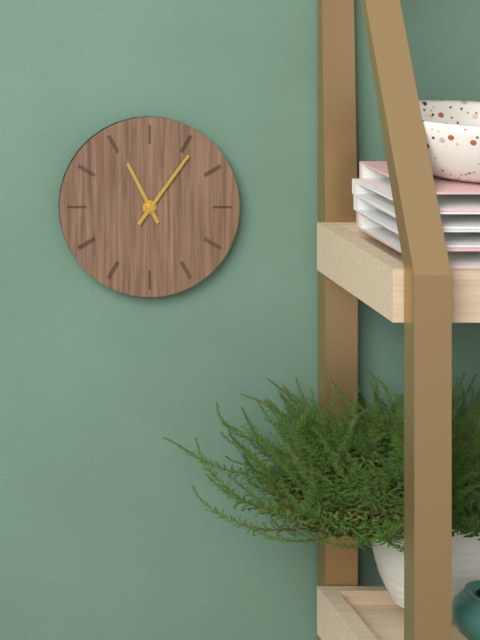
11:06
